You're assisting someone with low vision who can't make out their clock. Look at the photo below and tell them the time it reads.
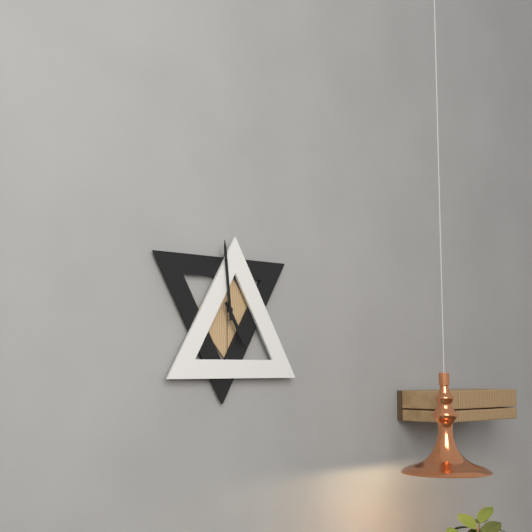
4:59
